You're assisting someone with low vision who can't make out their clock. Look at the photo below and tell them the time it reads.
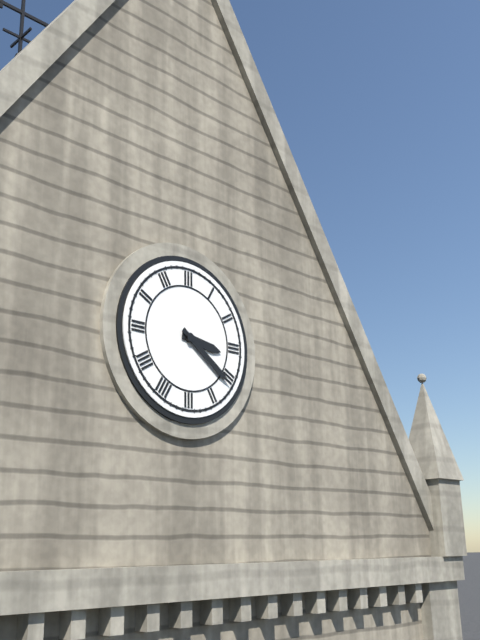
3:21
